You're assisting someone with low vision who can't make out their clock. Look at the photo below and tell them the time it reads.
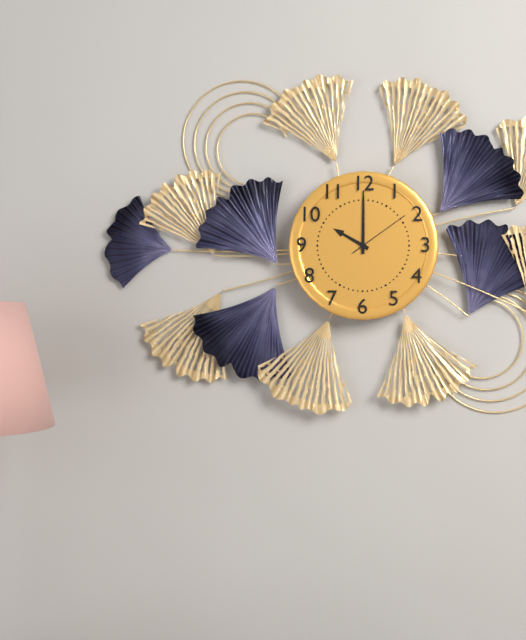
10:00:09
